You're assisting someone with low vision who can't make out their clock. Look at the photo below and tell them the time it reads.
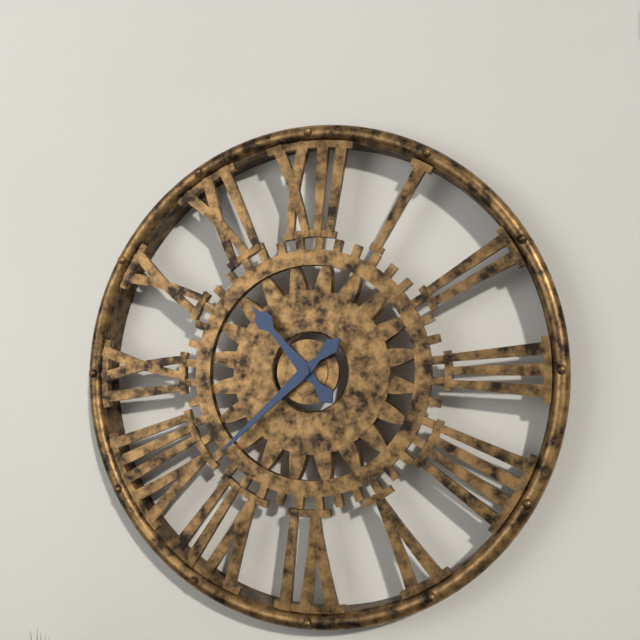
10:38
